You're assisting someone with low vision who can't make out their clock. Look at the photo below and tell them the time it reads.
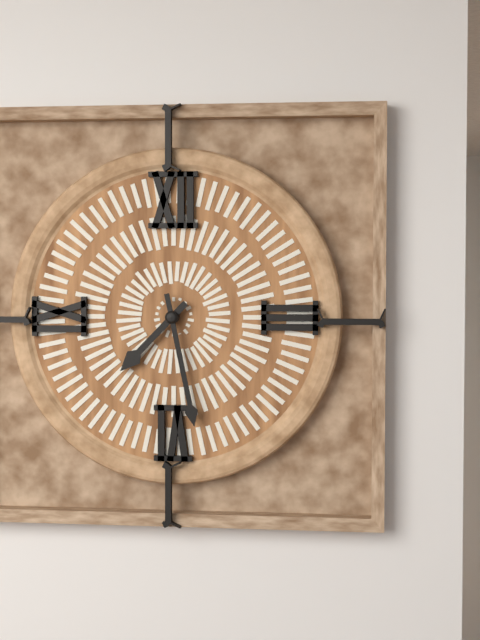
7:28
